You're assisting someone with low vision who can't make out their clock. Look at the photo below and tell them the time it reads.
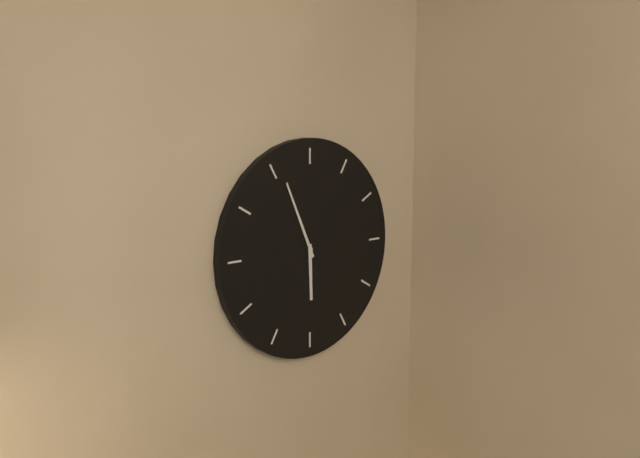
5:56
